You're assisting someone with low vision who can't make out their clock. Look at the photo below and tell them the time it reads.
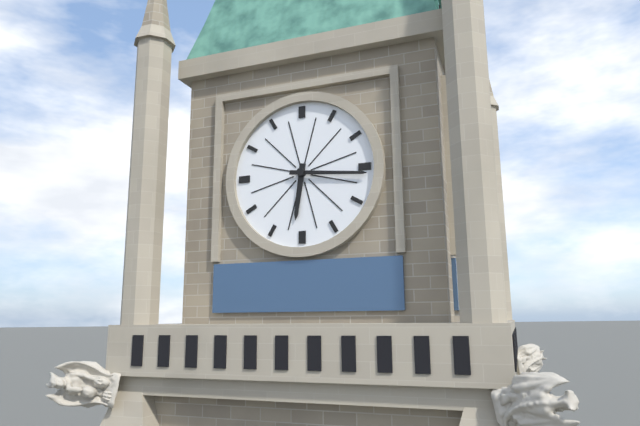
6:16
